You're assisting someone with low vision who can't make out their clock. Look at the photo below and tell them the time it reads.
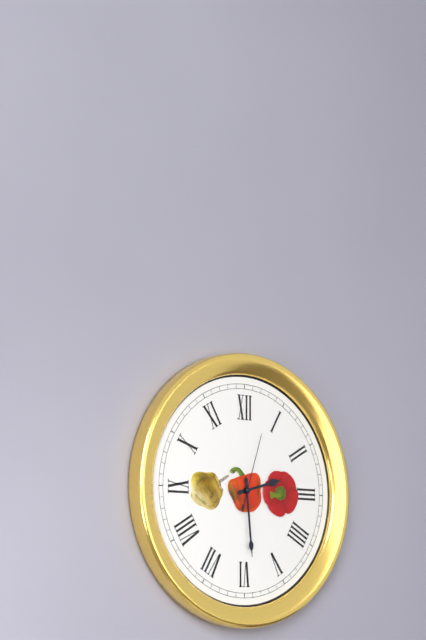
2:29:03
